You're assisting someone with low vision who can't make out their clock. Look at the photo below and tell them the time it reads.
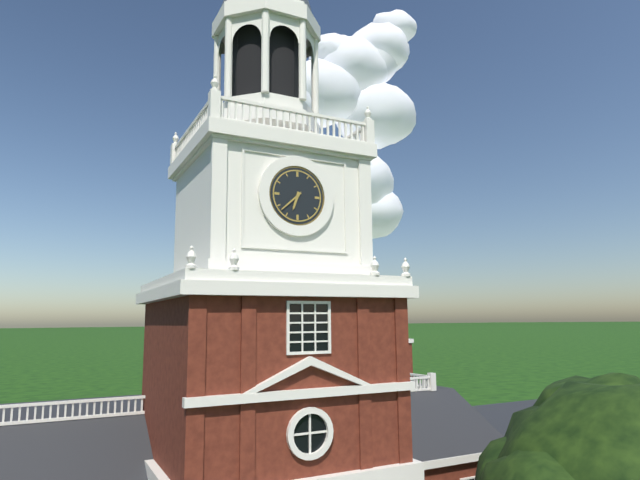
6:38
